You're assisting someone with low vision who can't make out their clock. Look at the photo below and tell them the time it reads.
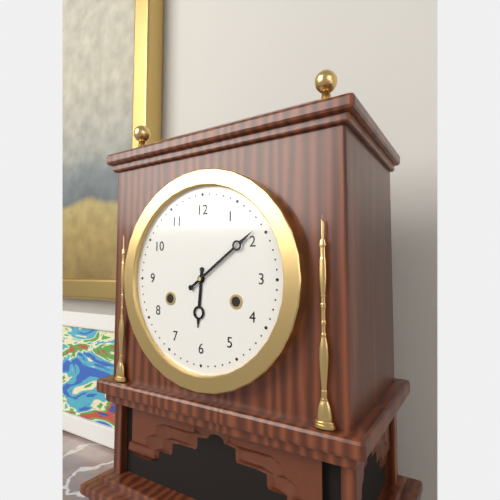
6:09
